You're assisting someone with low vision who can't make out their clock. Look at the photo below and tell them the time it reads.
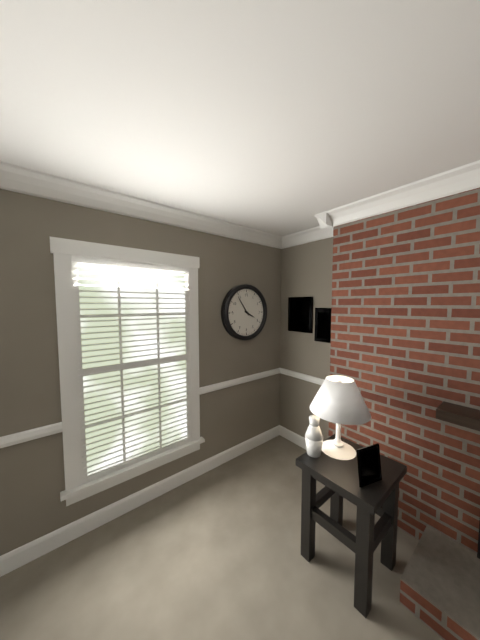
3:54
